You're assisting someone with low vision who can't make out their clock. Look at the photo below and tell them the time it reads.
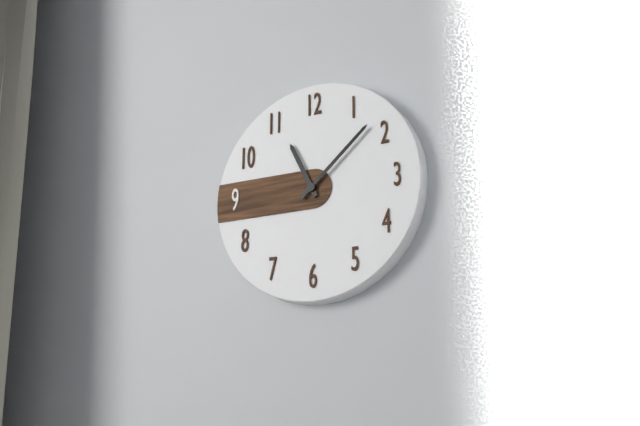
11:08
